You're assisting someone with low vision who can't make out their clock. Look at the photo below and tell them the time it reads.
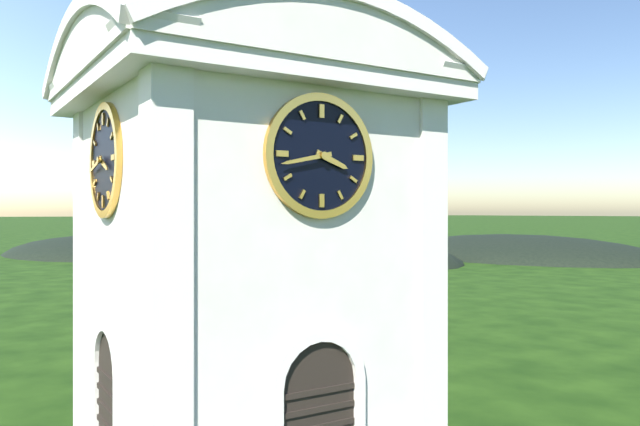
3:43
